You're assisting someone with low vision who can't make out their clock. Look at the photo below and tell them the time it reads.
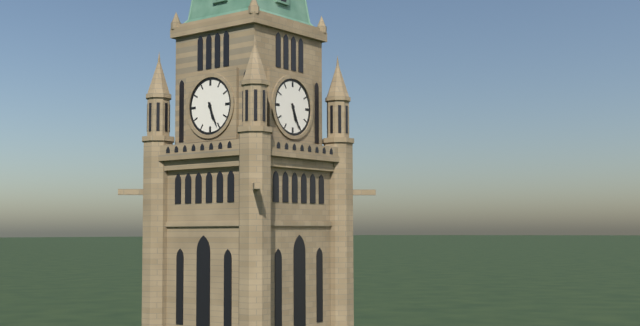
5:26
